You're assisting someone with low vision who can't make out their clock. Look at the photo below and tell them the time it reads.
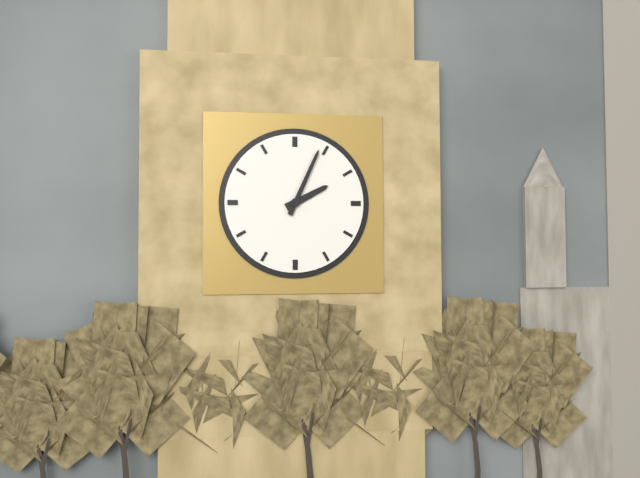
2:04
